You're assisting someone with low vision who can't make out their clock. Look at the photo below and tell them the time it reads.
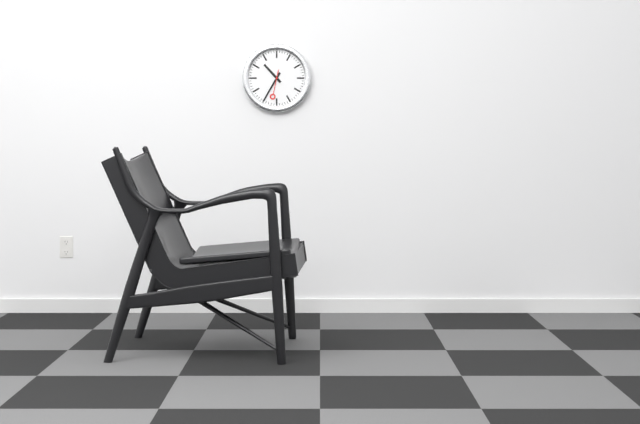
10:35
